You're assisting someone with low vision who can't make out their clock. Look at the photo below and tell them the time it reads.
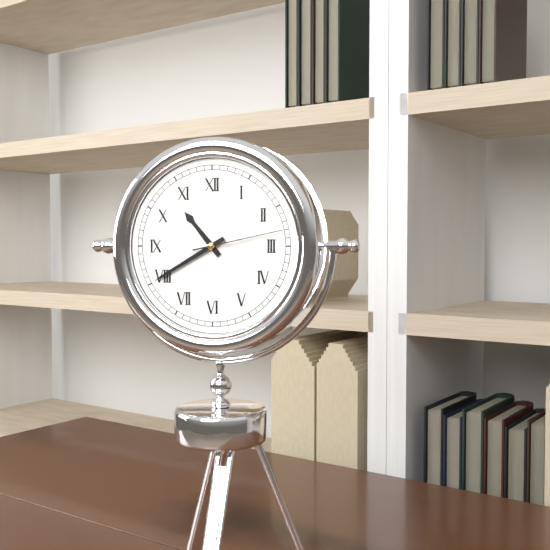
10:40:13
